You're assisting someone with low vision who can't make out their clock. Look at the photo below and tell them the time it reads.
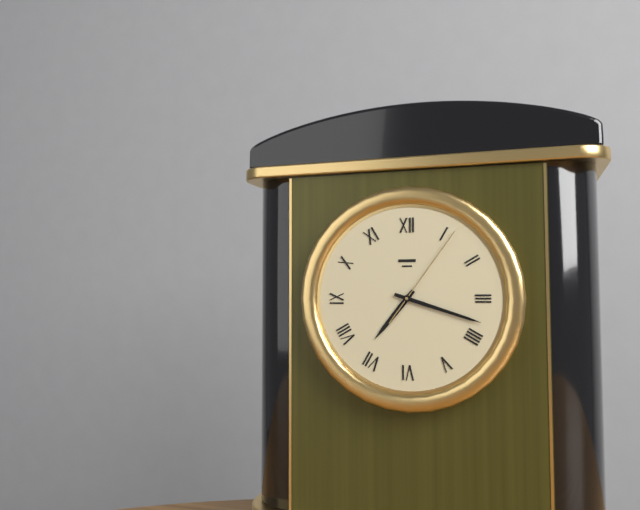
7:18:06
